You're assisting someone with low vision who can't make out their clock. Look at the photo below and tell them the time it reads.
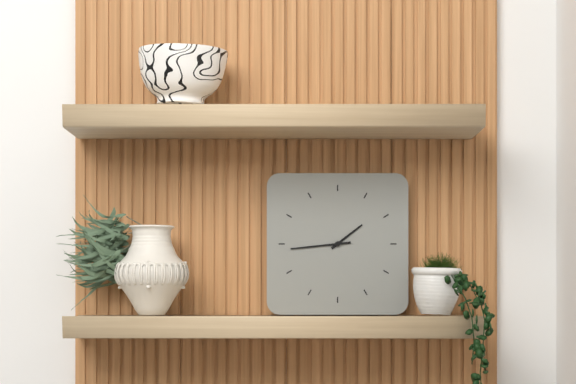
1:44
